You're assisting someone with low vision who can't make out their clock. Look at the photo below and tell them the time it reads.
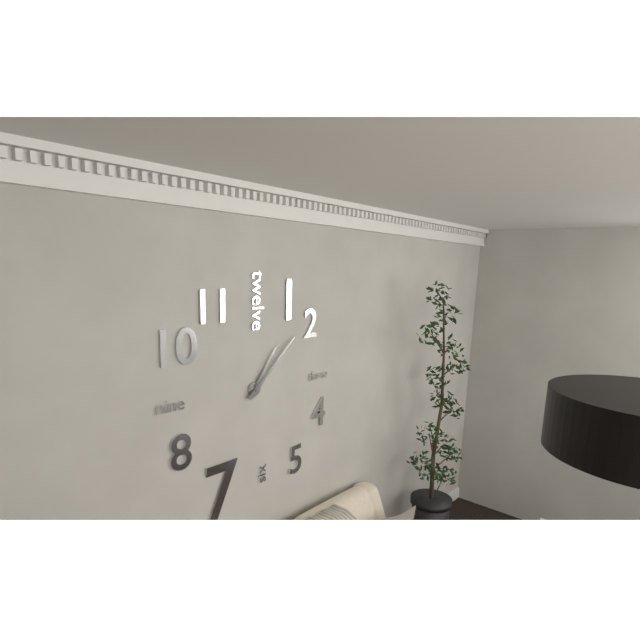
1:08
